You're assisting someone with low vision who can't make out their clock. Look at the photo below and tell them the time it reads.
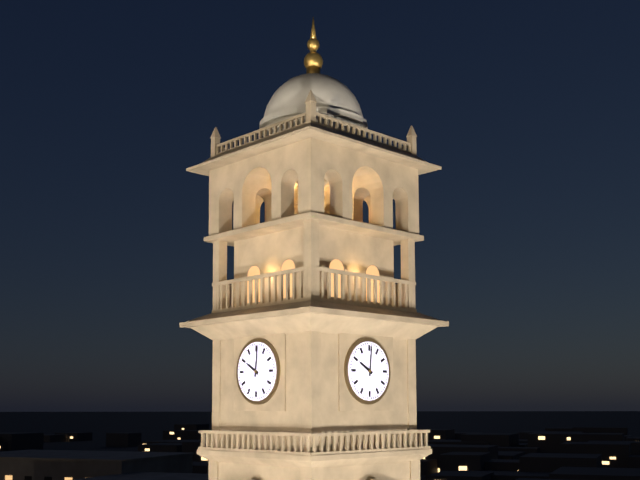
10:01
